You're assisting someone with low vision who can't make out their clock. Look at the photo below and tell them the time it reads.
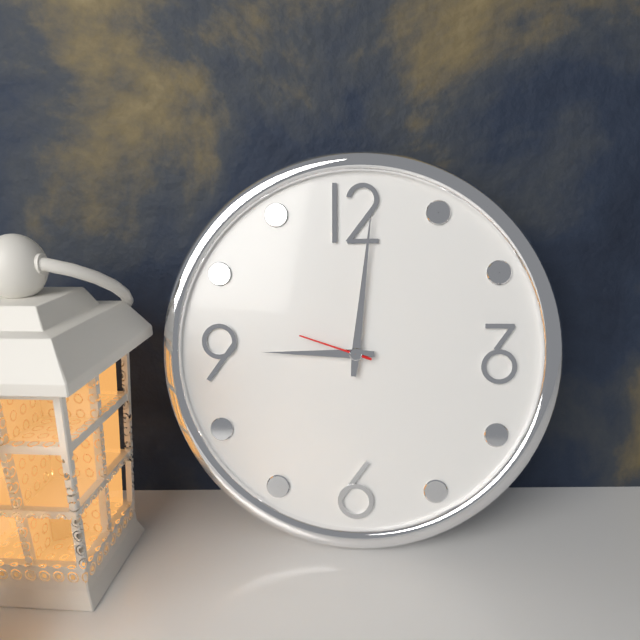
9:01:48
